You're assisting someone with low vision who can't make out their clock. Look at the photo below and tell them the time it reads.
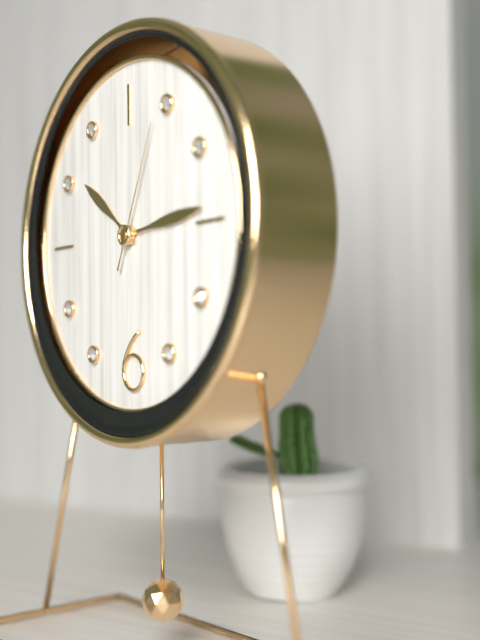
10:14:04
